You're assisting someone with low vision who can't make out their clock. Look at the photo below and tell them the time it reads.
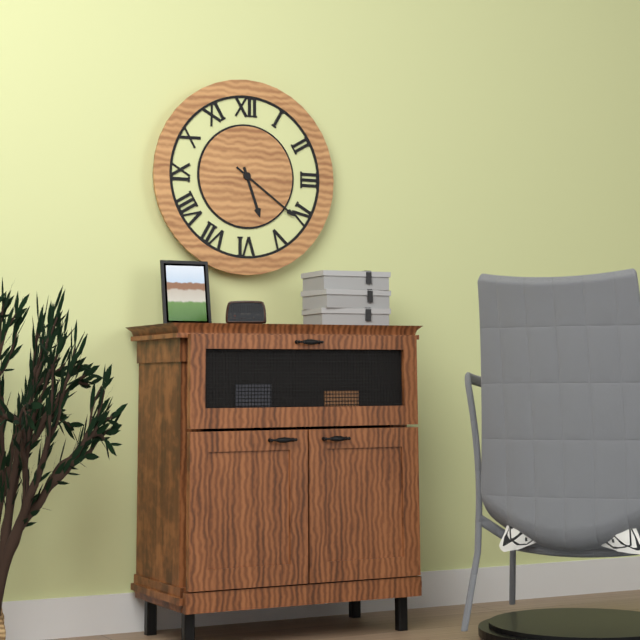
5:21
